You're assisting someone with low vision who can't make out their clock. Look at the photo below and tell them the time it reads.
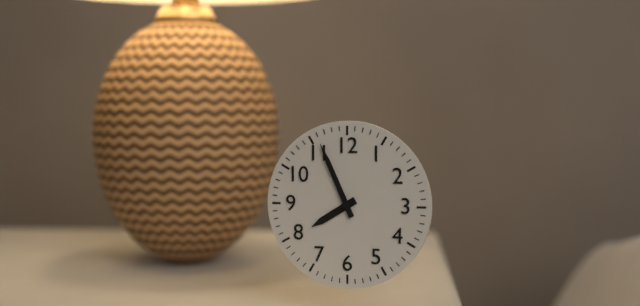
7:56
